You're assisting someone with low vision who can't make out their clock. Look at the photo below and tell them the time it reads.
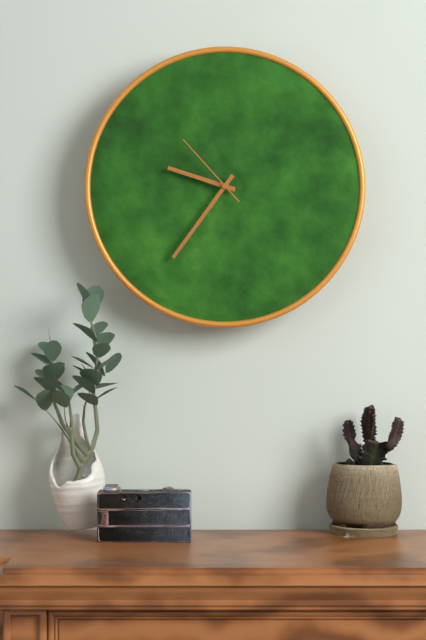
9:36:53
